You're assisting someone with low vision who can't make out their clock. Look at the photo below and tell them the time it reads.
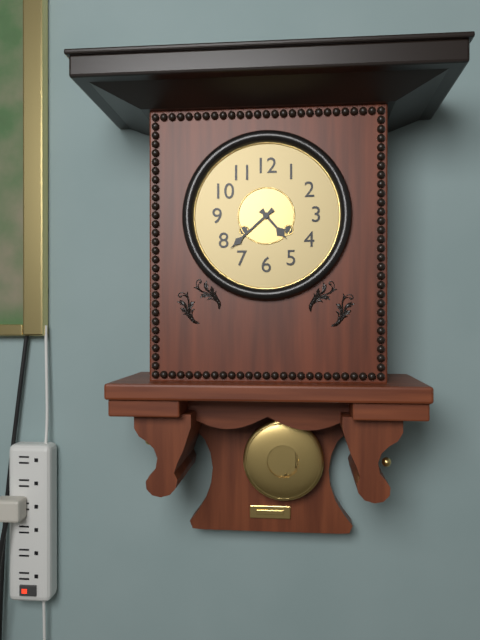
4:38
